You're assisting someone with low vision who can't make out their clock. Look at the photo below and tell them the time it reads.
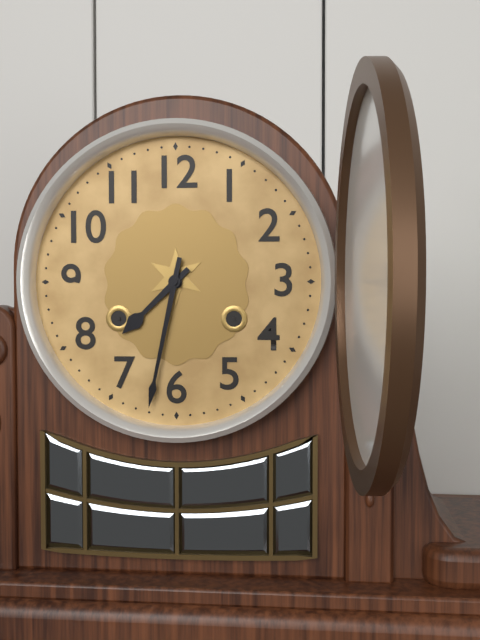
7:32
